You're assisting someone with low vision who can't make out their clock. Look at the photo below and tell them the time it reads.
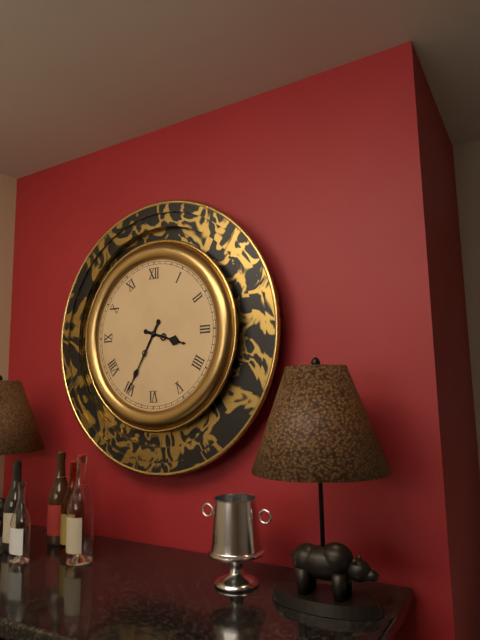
3:35
